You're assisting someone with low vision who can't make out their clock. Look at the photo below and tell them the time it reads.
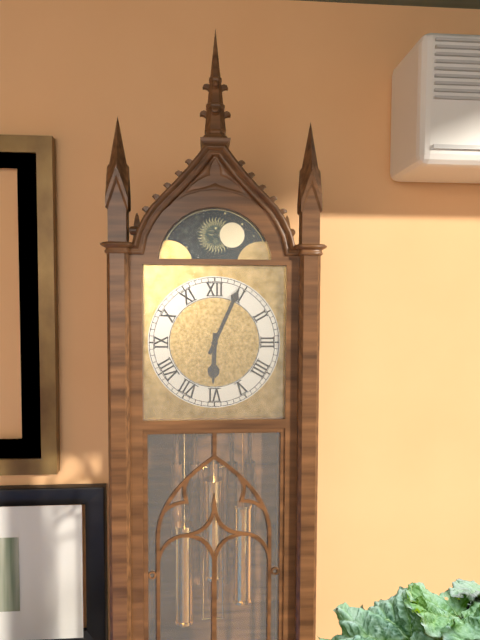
6:04
